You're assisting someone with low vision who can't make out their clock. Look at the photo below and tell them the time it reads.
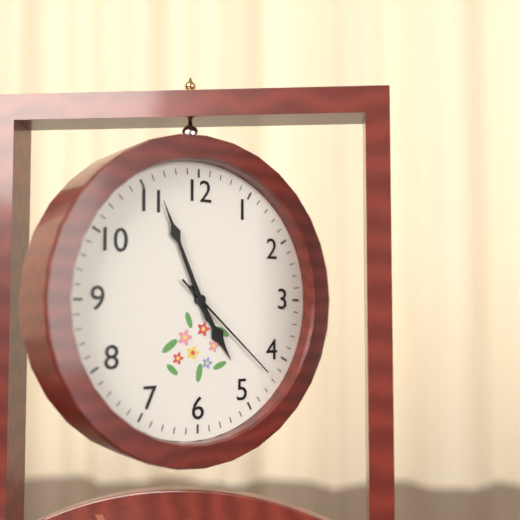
4:56:22
